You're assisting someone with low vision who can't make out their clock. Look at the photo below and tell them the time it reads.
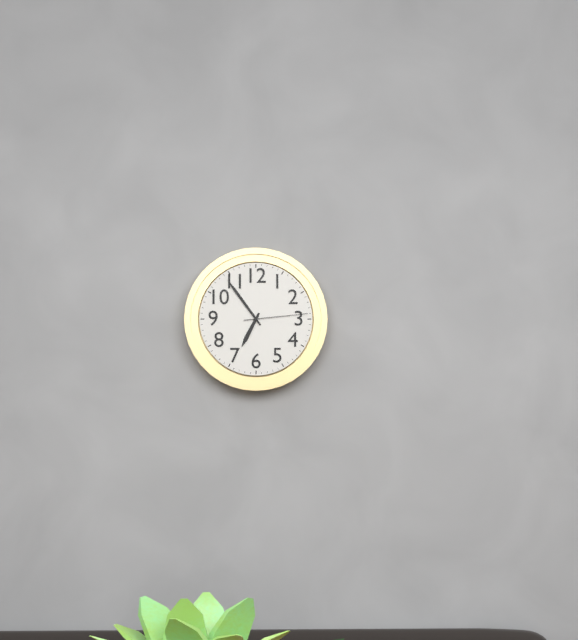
6:54:14
